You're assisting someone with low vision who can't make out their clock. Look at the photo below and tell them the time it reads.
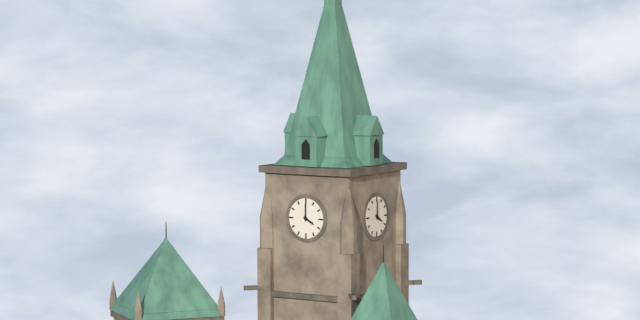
4:00
